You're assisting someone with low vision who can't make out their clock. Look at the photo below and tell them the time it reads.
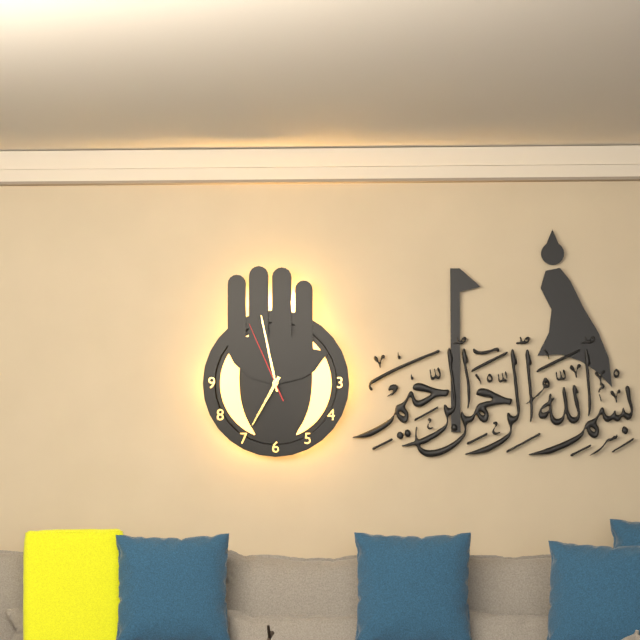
6:58:56
